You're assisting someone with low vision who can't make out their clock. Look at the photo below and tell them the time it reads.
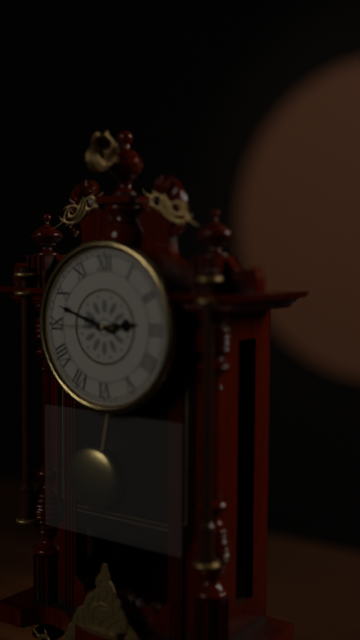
2:48:45
